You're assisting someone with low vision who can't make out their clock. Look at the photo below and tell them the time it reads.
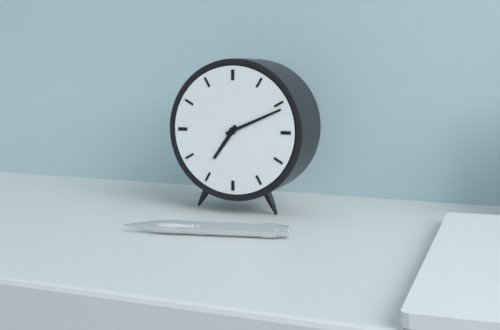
7:11
